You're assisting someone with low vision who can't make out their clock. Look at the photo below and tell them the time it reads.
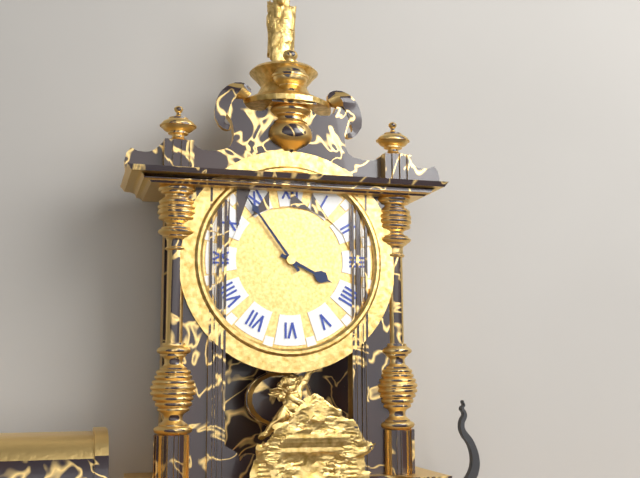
3:54
